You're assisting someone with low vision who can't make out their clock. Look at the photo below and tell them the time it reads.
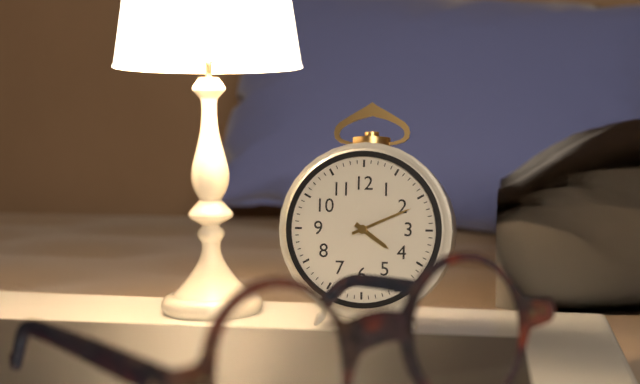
4:11
